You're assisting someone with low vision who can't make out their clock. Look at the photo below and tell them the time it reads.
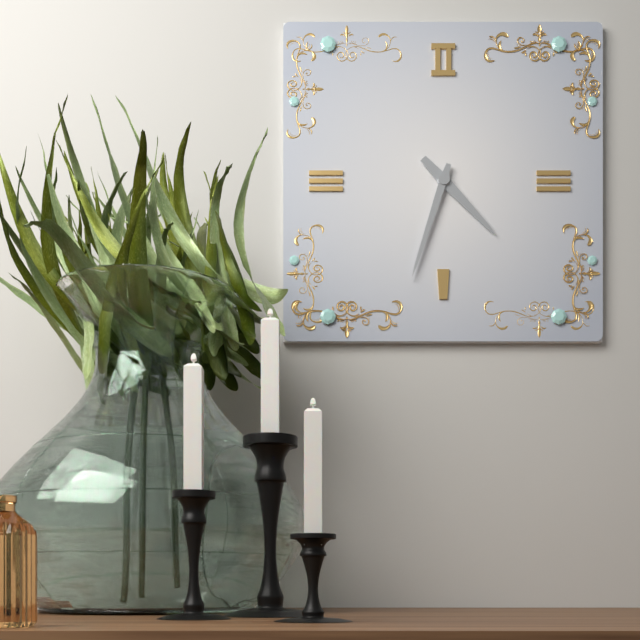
4:33
